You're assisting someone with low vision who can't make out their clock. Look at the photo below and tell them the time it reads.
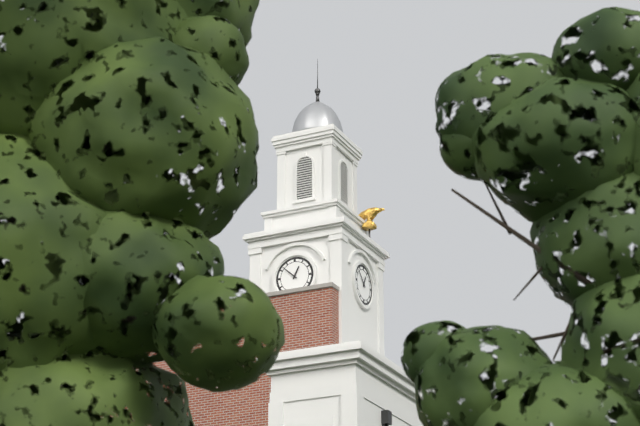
12:52
